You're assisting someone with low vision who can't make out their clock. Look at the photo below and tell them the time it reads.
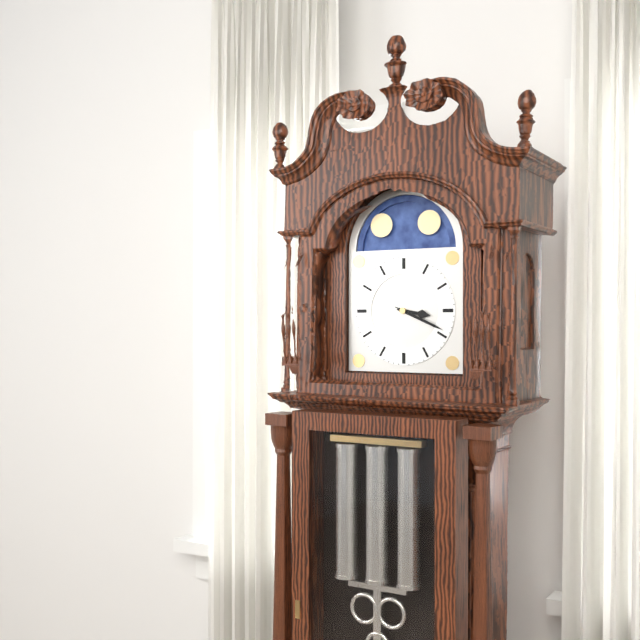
3:19
